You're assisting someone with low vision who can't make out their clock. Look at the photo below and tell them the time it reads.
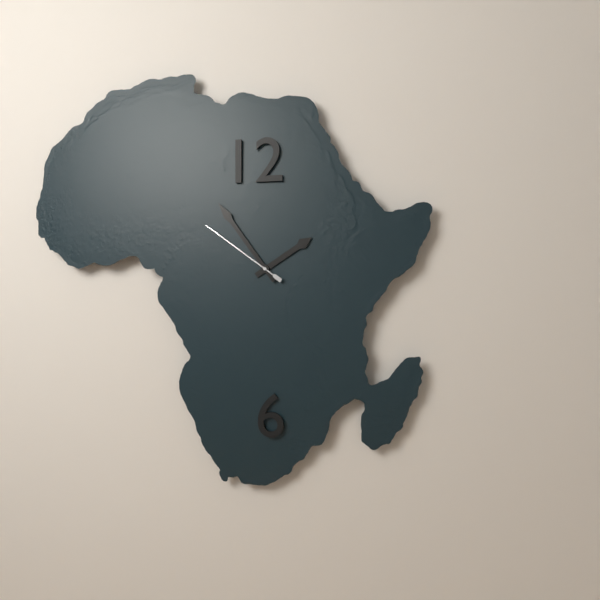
1:54:51
